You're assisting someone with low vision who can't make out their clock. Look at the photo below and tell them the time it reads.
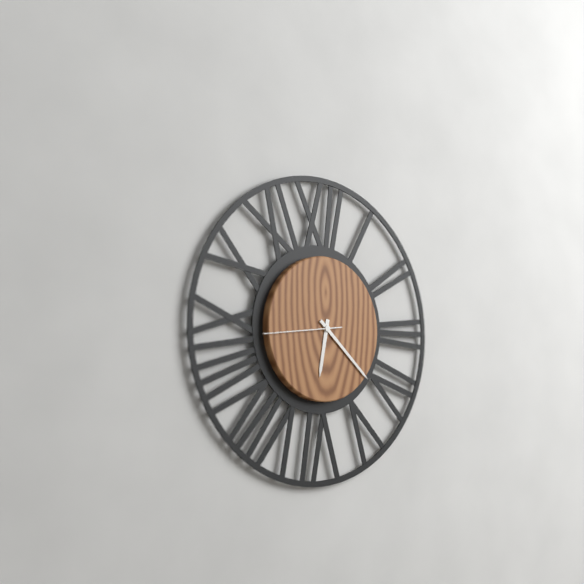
6:22:44
